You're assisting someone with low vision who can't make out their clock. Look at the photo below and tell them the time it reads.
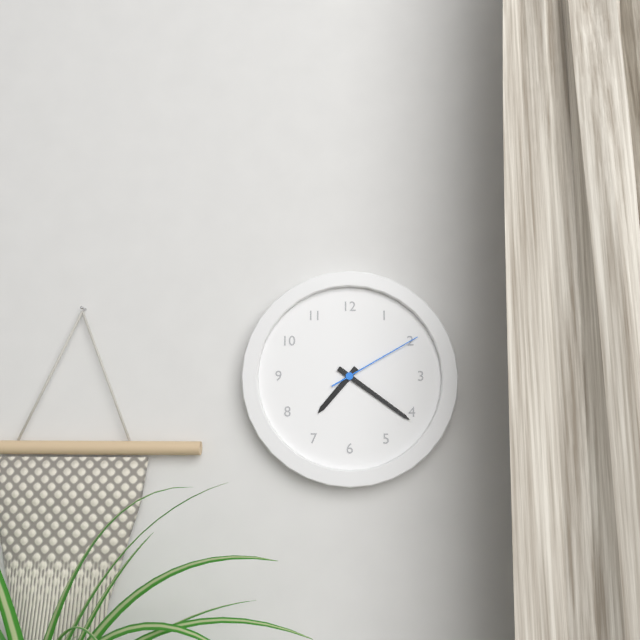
7:21:10
